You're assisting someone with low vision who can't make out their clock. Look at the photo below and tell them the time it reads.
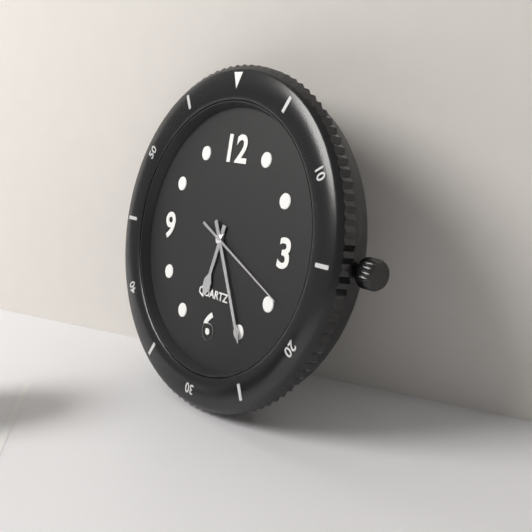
6:25:19
